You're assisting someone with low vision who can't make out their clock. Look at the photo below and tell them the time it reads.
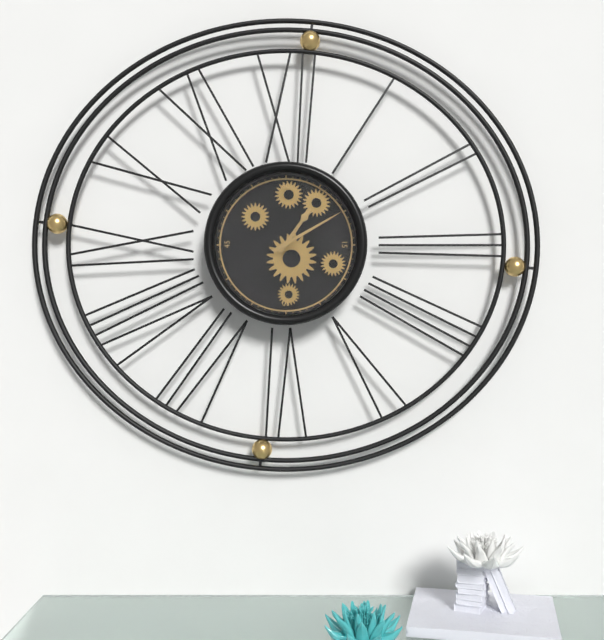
1:10
